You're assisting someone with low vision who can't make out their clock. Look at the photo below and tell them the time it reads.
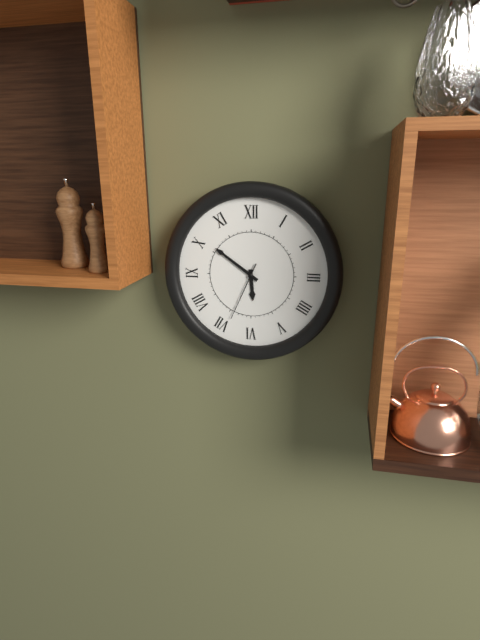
5:51:34
